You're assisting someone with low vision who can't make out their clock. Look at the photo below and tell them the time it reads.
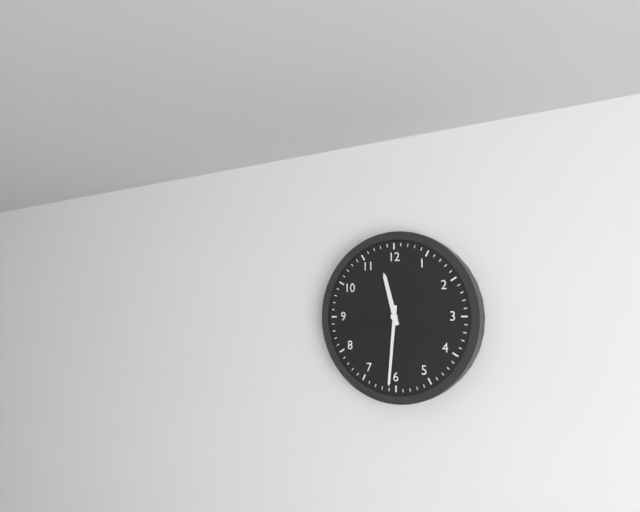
11:31
